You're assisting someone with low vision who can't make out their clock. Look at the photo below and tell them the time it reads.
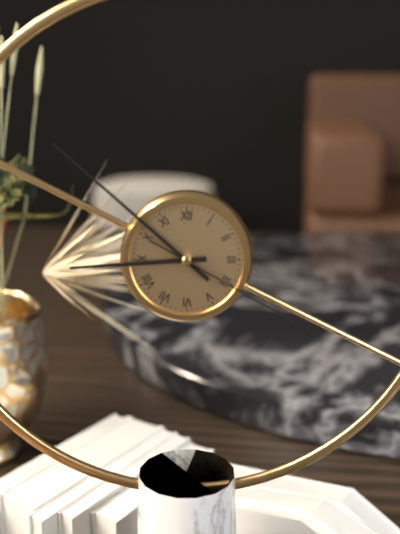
8:52:20
